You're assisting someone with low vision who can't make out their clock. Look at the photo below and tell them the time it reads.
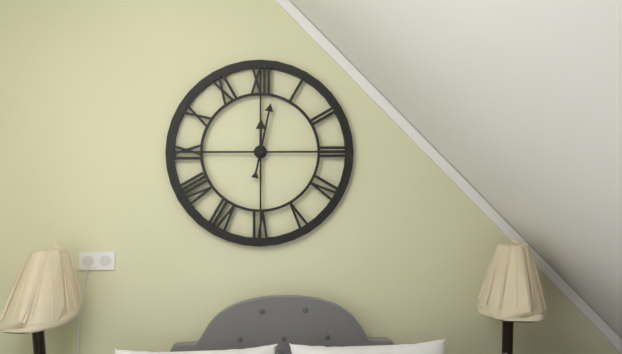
12:02
